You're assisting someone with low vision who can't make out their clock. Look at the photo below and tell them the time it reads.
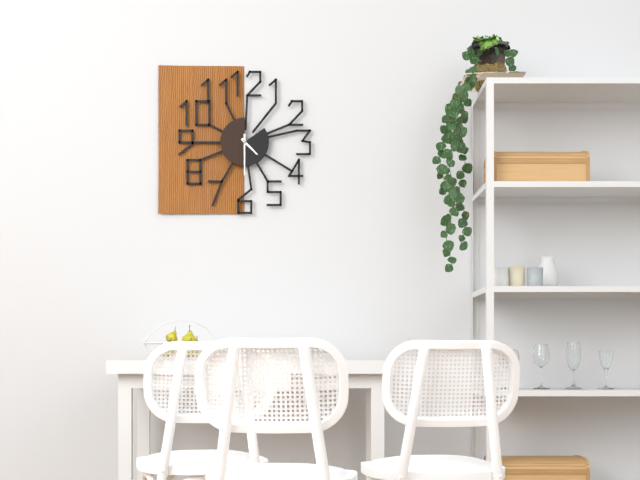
4:30
